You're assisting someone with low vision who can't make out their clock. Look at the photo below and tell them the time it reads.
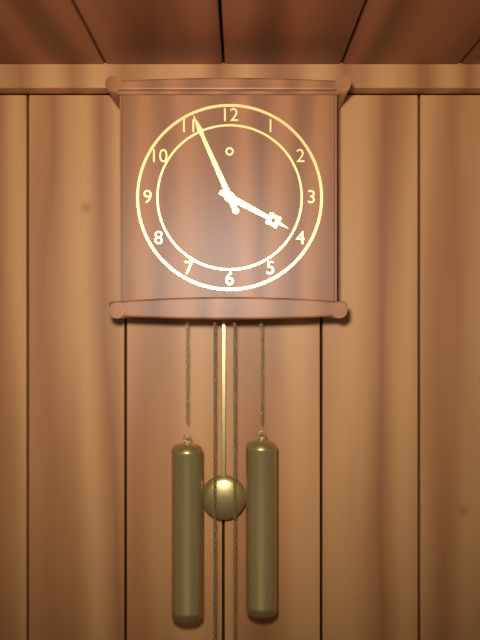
3:56
